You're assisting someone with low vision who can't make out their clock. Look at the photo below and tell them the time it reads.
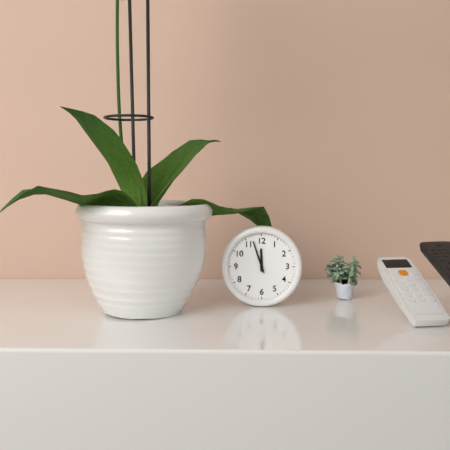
11:57
